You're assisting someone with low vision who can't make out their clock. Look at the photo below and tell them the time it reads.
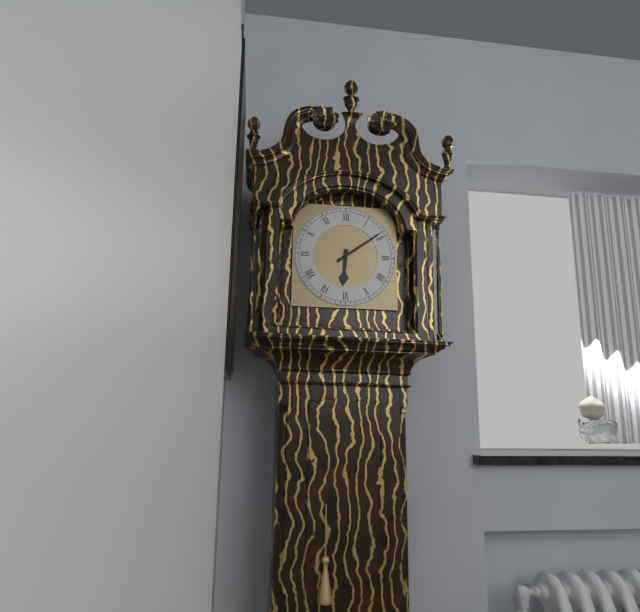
6:09
